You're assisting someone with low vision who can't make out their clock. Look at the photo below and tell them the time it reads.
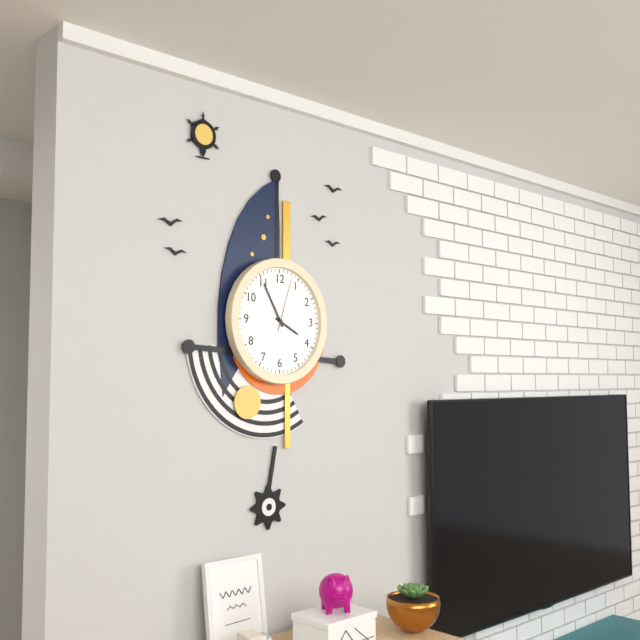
3:55:03
